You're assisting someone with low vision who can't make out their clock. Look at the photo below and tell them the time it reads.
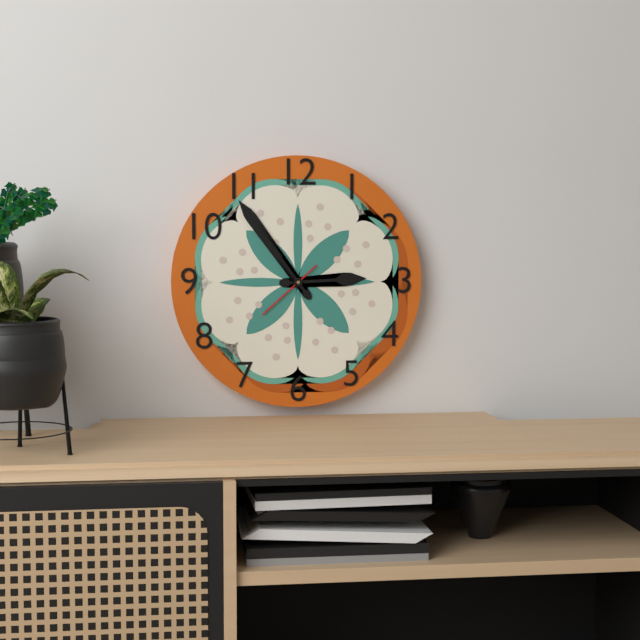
2:54:38
